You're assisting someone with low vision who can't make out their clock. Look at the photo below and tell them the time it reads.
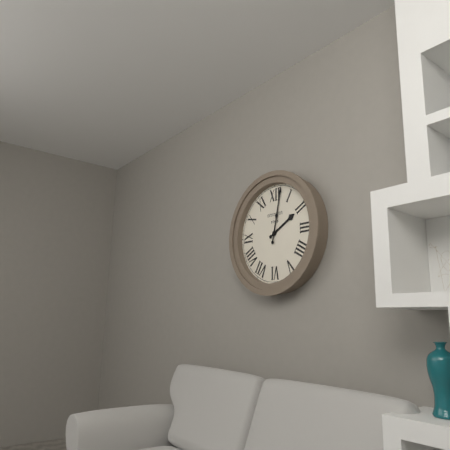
2:02
